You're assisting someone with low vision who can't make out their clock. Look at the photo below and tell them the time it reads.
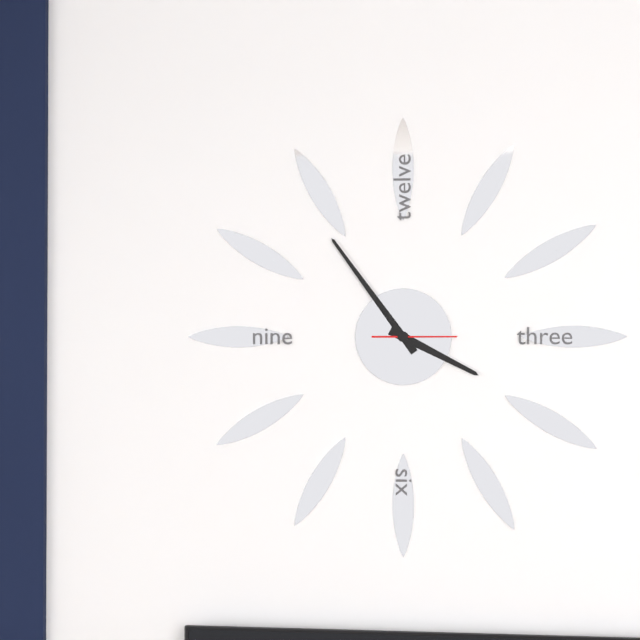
3:54:15
